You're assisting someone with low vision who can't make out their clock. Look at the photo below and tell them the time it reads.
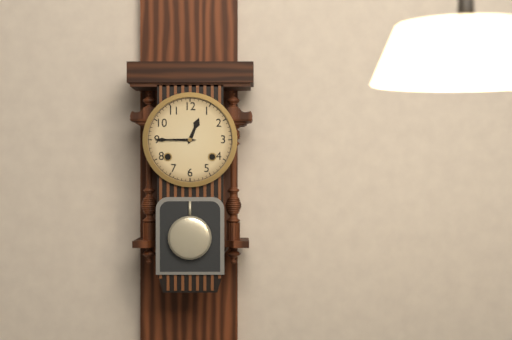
12:45
